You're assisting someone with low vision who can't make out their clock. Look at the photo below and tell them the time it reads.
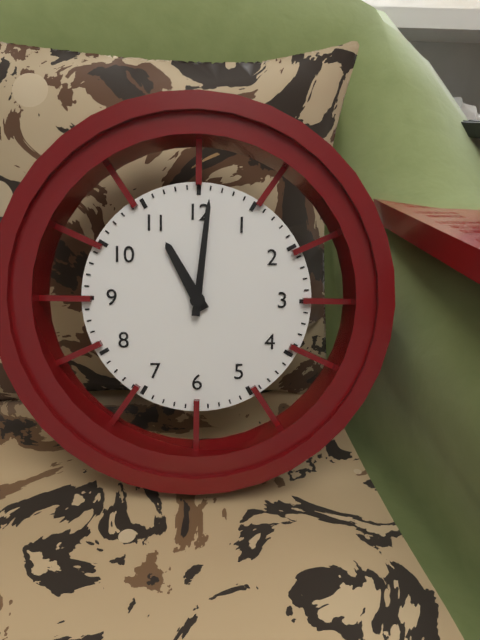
11:01
